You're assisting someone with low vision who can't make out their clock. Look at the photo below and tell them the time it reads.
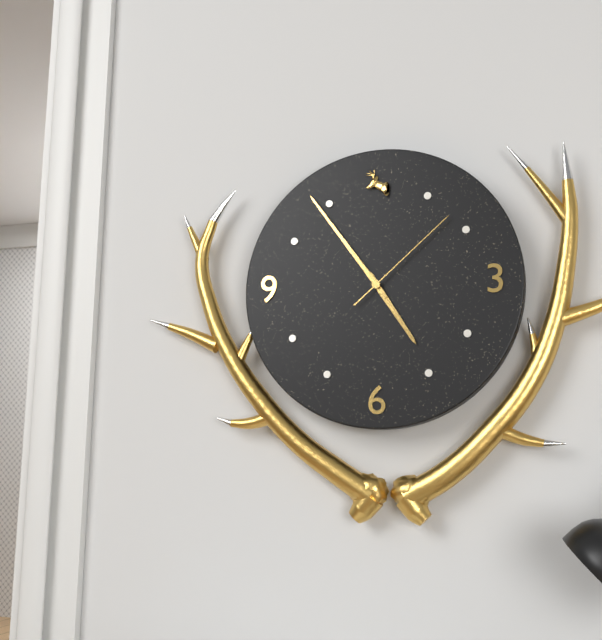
4:54:08
